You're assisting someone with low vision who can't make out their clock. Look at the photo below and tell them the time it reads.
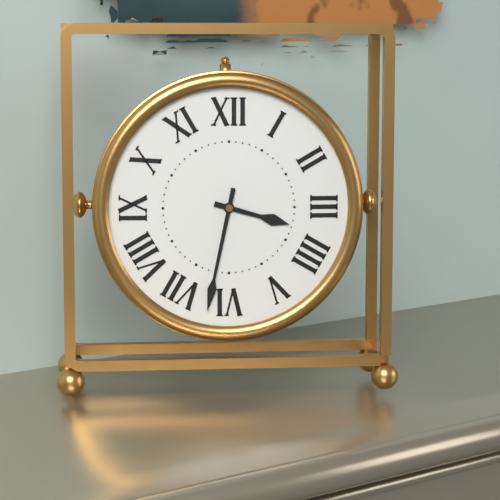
3:32
